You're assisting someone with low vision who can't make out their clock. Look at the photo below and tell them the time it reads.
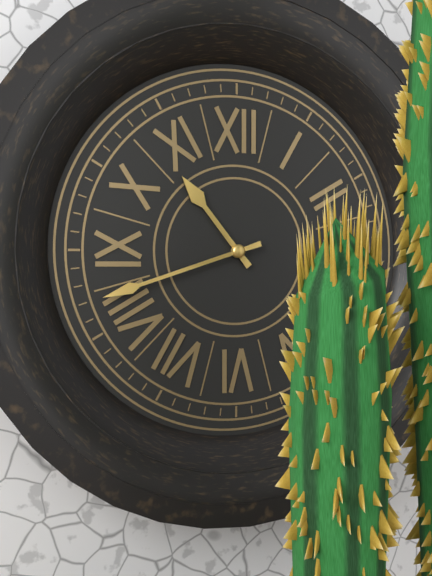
10:42
